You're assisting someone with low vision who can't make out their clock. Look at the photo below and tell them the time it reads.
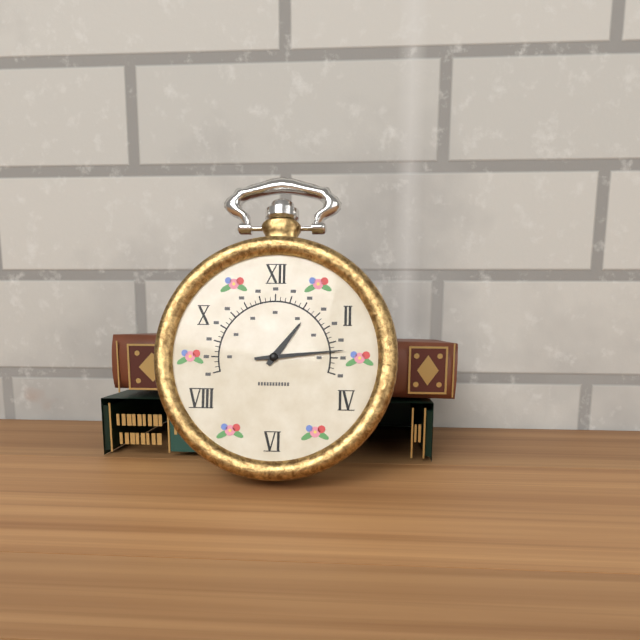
1:14
